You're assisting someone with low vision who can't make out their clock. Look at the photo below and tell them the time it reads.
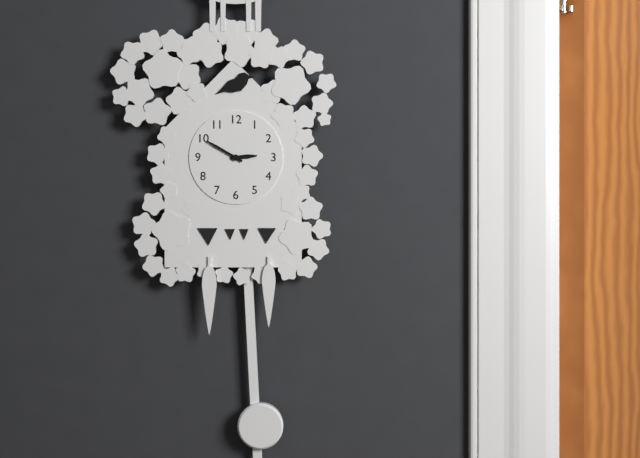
2:50
